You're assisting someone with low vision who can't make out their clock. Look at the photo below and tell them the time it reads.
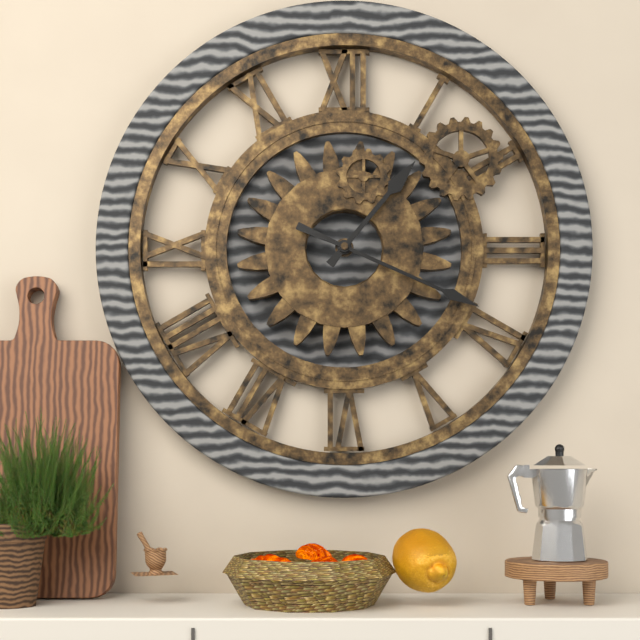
1:19
